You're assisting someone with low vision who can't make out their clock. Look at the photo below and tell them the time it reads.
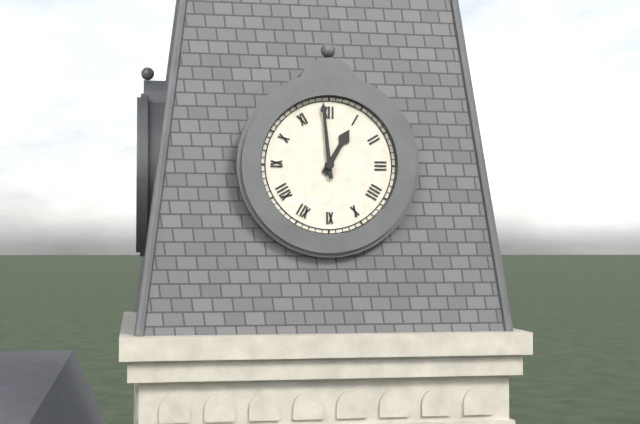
12:59
